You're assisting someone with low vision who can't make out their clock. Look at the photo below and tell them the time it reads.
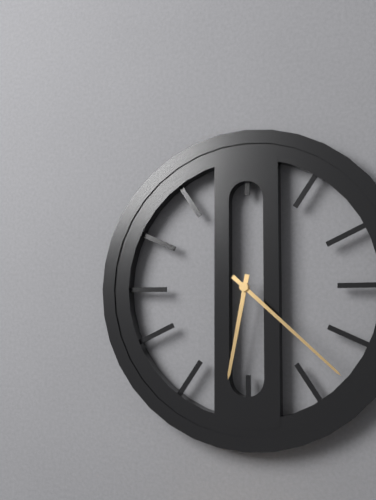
6:22
